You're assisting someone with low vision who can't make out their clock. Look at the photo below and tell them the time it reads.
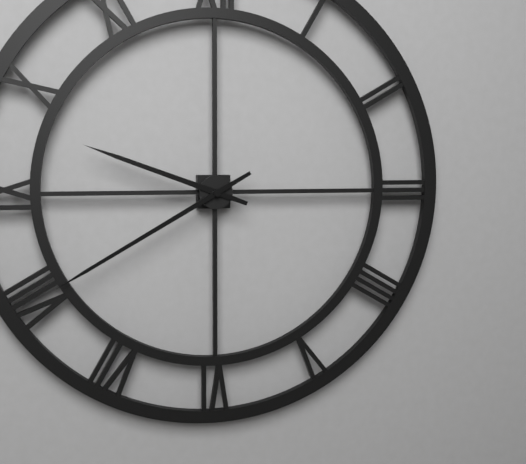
9:40
